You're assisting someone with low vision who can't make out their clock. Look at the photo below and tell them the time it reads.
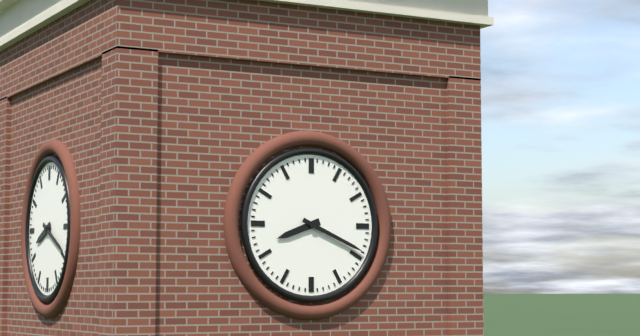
8:19
